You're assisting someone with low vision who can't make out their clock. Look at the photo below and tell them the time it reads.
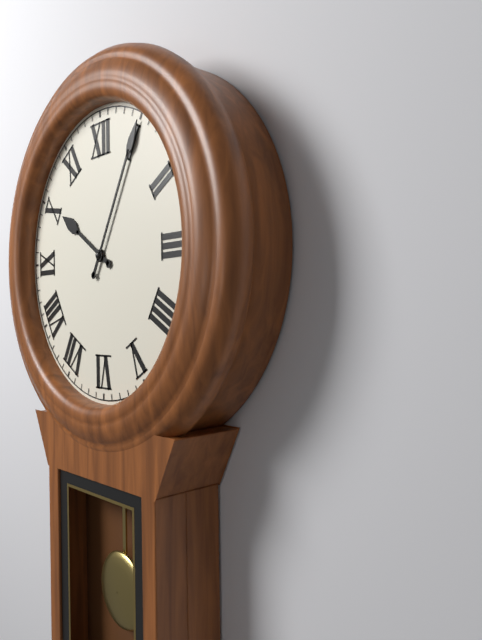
10:05
